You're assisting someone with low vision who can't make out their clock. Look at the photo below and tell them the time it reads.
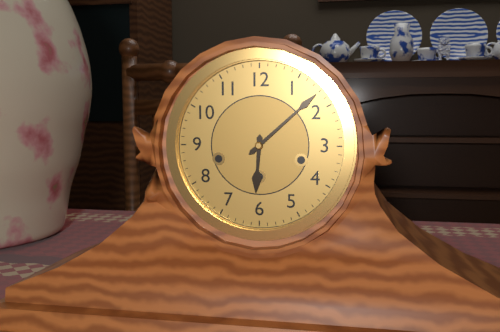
6:08
